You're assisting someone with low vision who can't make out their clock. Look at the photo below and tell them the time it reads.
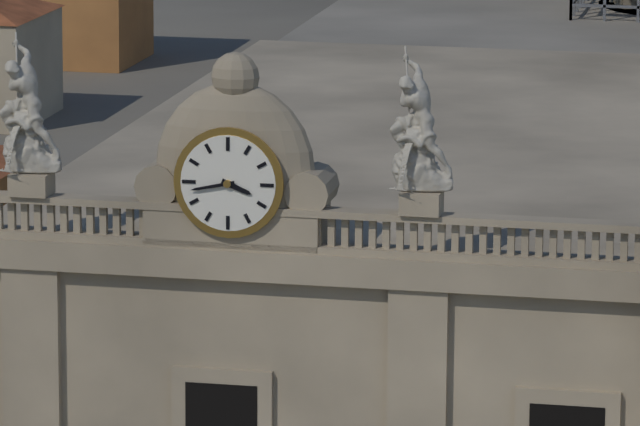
3:43
